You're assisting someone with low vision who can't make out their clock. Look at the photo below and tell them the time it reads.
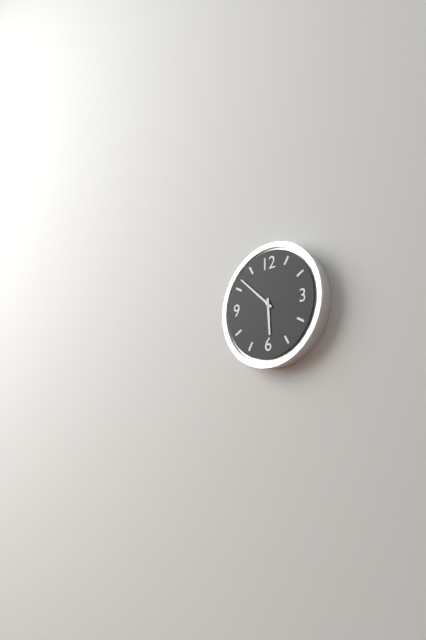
5:52
